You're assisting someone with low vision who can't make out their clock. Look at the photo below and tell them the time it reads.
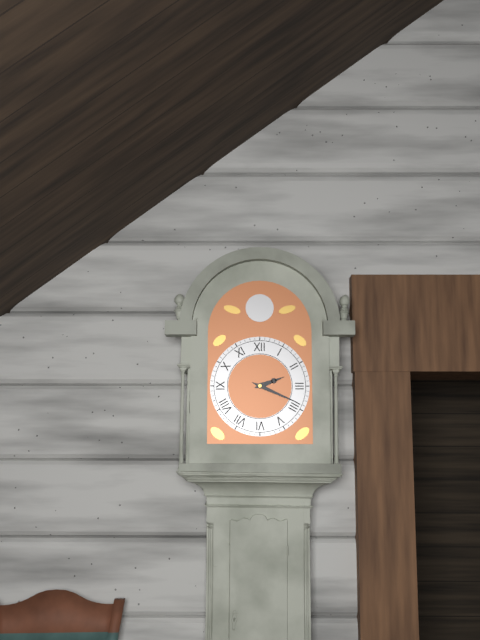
2:19
